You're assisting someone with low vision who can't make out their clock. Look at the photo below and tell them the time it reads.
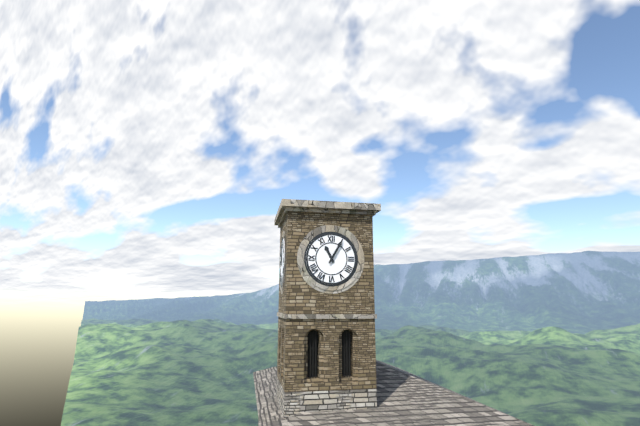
11:05
